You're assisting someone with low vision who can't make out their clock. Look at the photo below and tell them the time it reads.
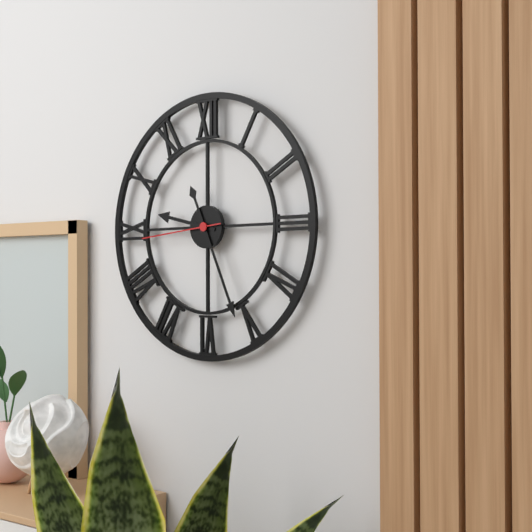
9:26:44
